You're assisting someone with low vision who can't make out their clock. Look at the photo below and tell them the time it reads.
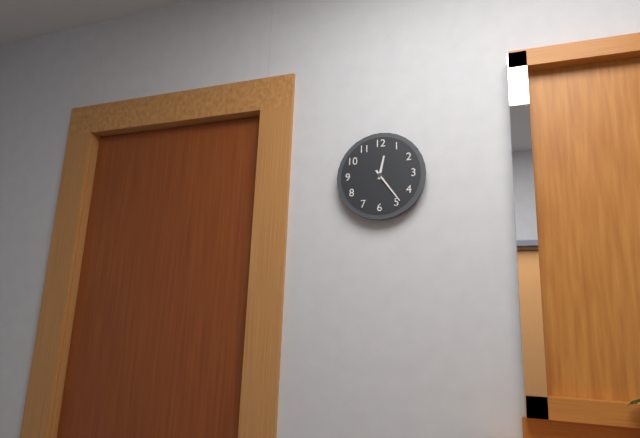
12:24
